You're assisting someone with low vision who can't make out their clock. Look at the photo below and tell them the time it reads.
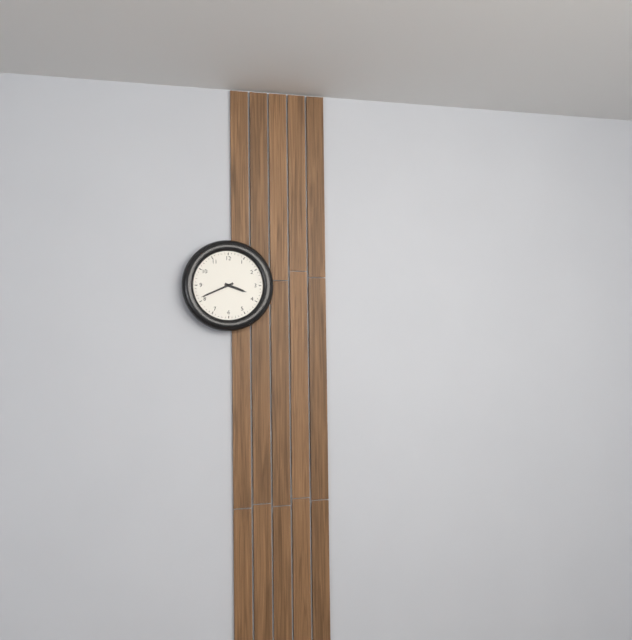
3:41
